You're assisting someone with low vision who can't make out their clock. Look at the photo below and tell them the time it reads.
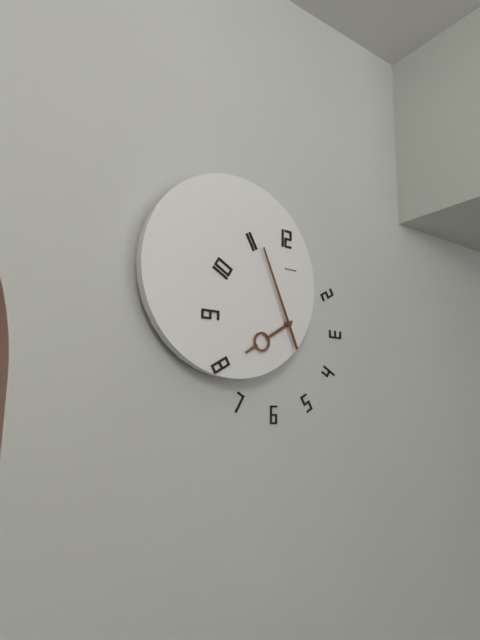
7:56
